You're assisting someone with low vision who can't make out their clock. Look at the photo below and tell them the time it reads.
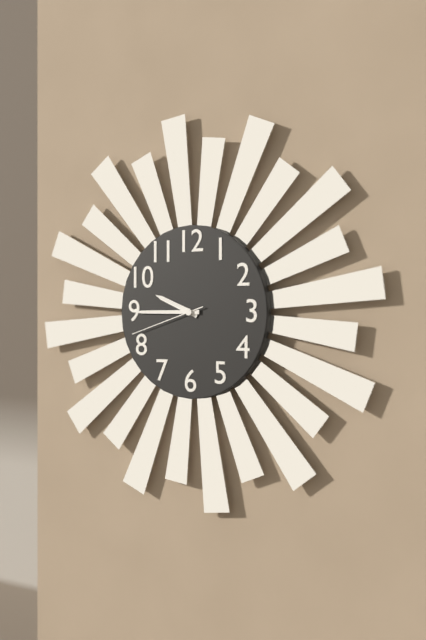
9:45:42
